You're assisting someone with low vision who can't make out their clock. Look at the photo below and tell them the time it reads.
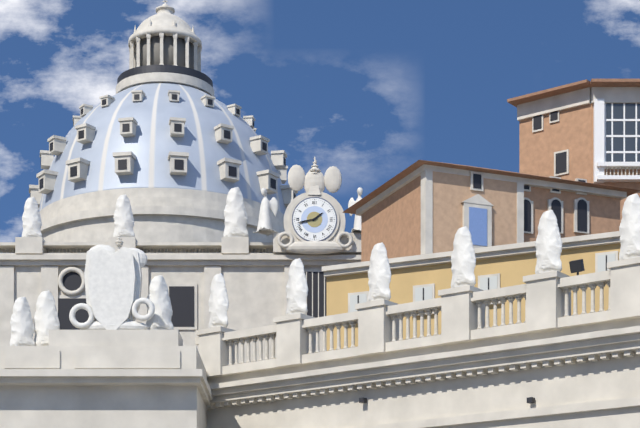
1:43
